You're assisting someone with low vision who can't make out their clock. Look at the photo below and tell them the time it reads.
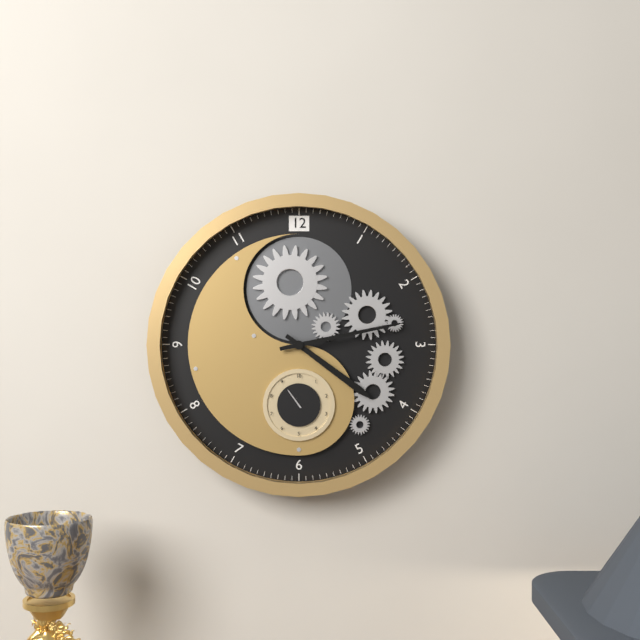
4:13
